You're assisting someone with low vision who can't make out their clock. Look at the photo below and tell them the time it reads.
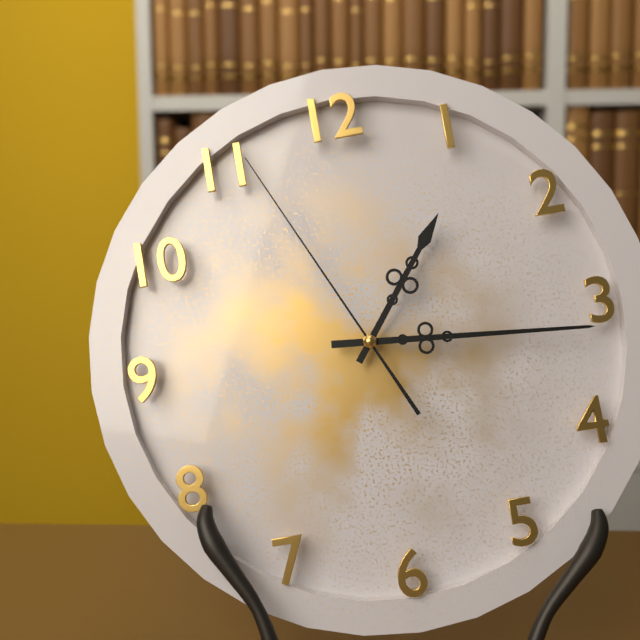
1:16:56
